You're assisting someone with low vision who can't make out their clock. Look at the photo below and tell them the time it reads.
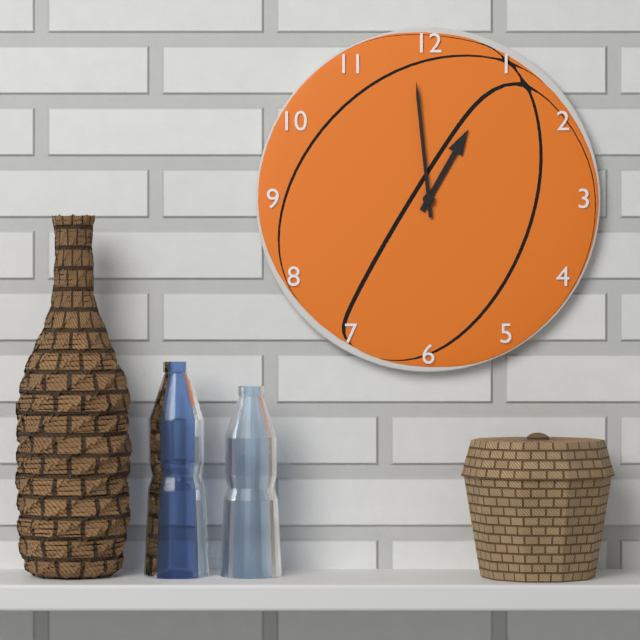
12:59
